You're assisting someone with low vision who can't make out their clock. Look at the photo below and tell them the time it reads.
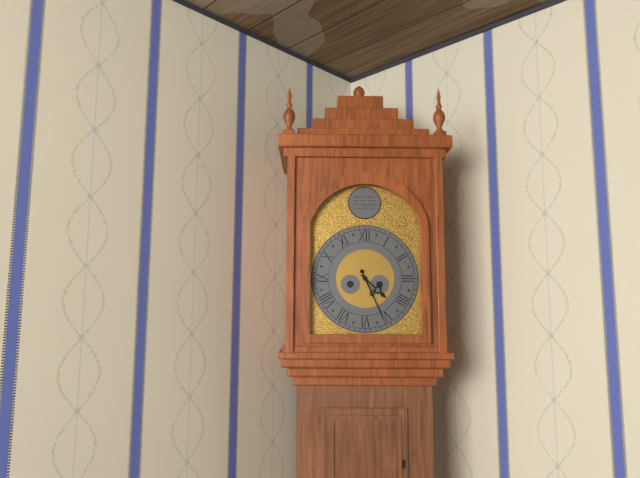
4:26
